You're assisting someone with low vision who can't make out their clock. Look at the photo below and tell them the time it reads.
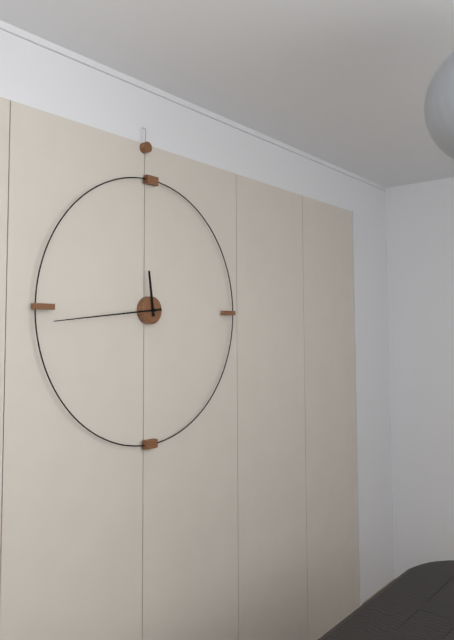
11:44
